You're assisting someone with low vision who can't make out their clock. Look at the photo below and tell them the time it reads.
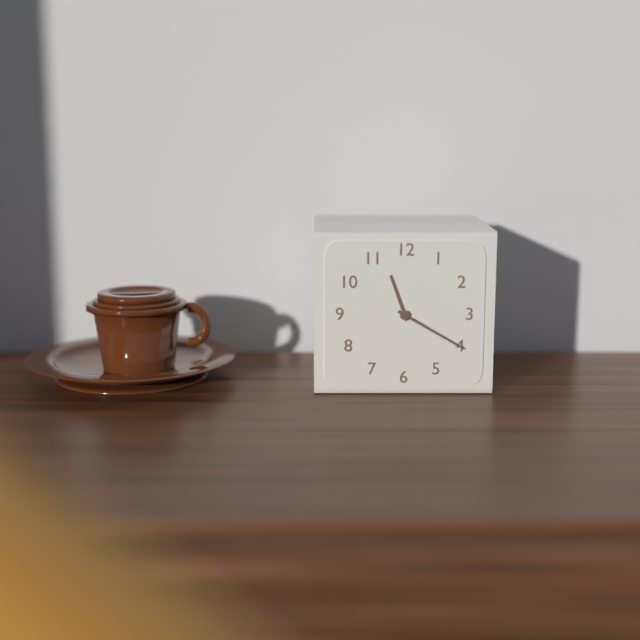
11:20
